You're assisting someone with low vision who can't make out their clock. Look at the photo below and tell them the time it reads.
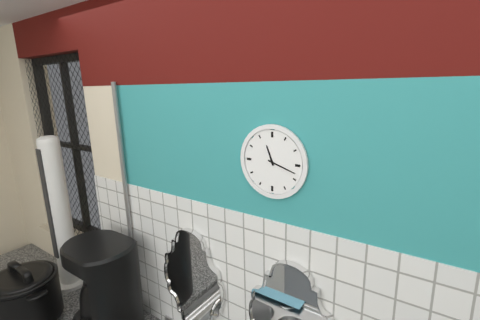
11:18
